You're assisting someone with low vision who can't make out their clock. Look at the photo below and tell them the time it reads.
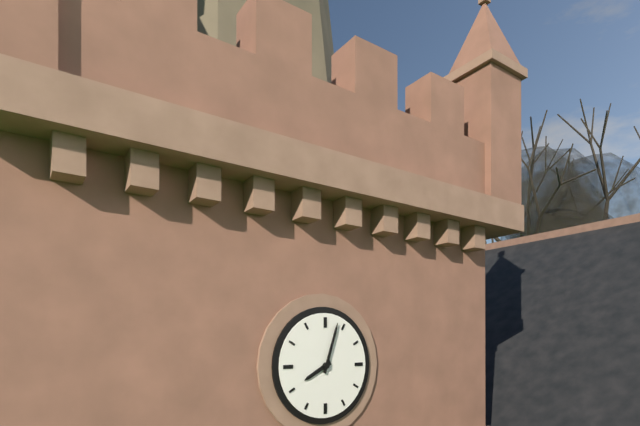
8:03
